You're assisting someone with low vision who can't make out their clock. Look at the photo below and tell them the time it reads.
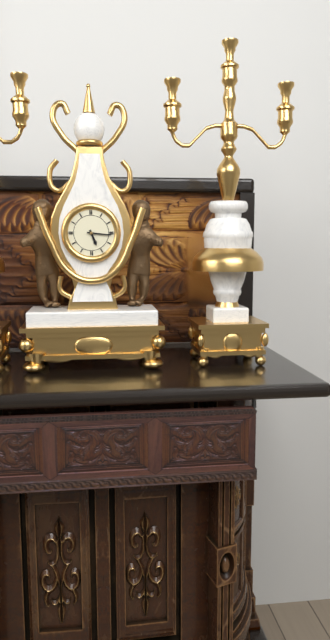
5:16
